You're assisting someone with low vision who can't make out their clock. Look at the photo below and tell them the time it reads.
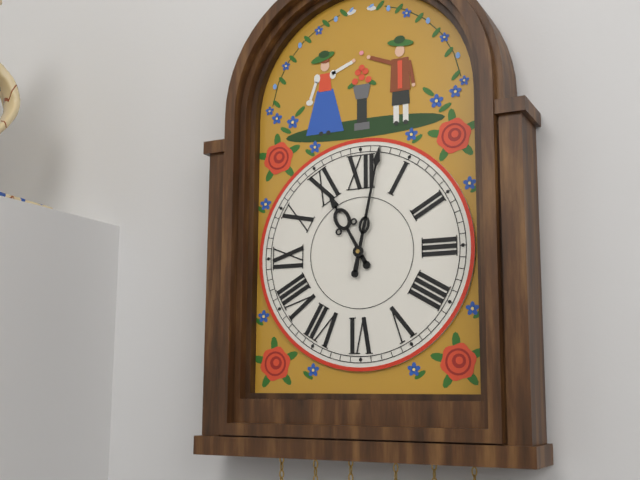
11:02
